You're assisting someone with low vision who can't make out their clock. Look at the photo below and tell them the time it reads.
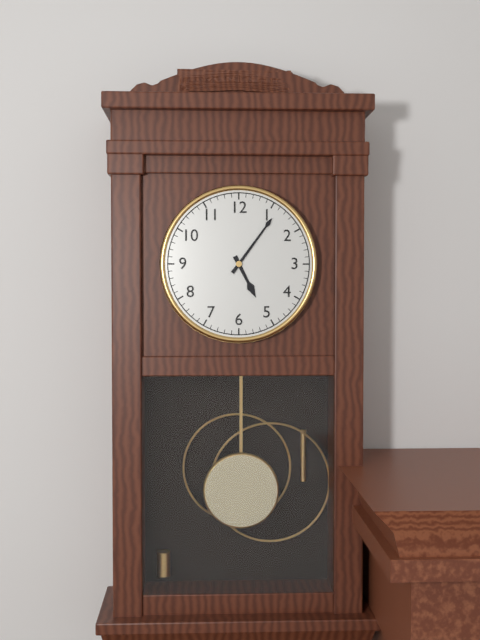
5:06
